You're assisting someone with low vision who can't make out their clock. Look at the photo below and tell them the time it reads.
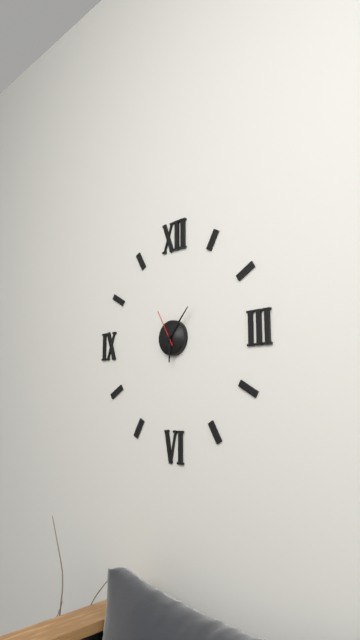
6:07
